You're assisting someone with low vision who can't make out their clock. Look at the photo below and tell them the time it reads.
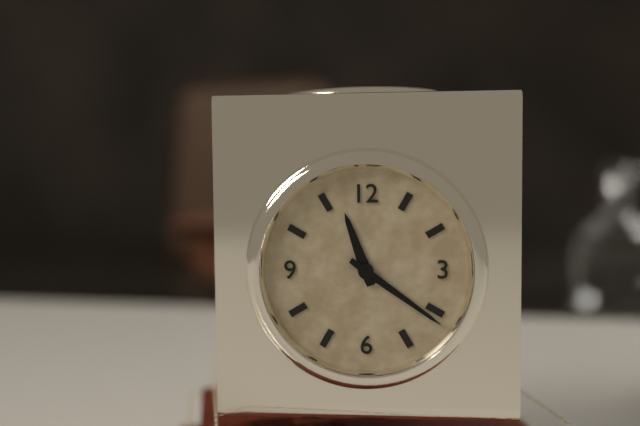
11:21
